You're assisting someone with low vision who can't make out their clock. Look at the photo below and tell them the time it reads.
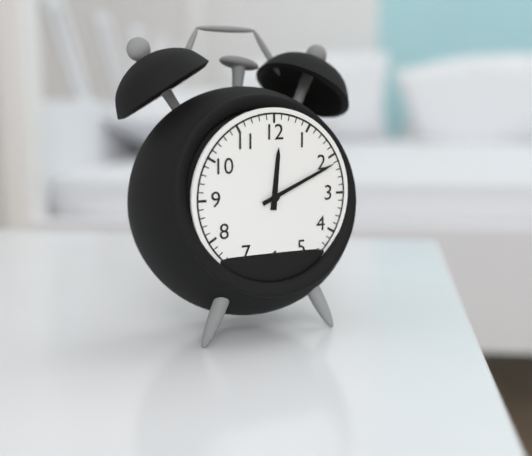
12:11
